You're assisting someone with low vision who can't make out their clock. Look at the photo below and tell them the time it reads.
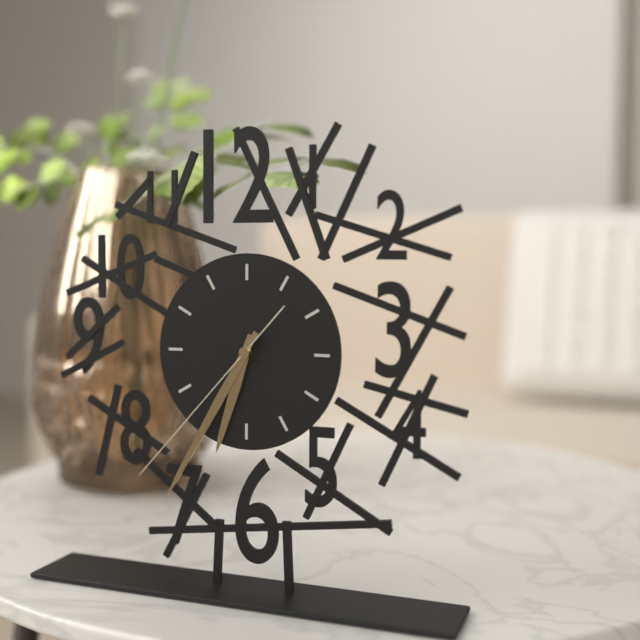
6:35:37
